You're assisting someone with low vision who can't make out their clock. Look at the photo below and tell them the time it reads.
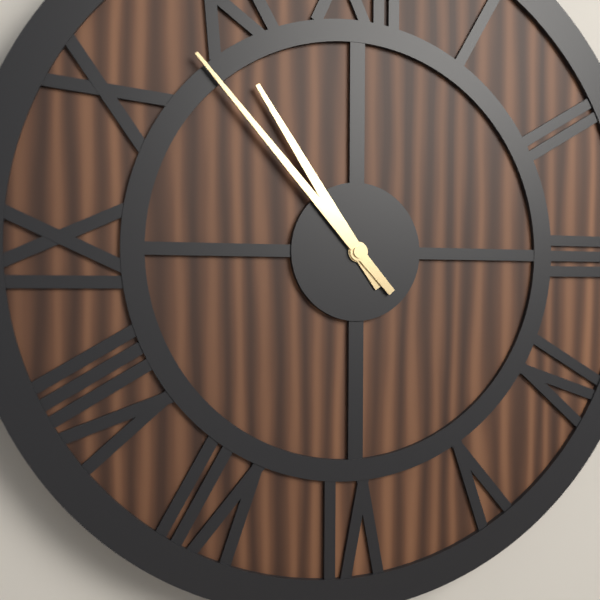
10:53
